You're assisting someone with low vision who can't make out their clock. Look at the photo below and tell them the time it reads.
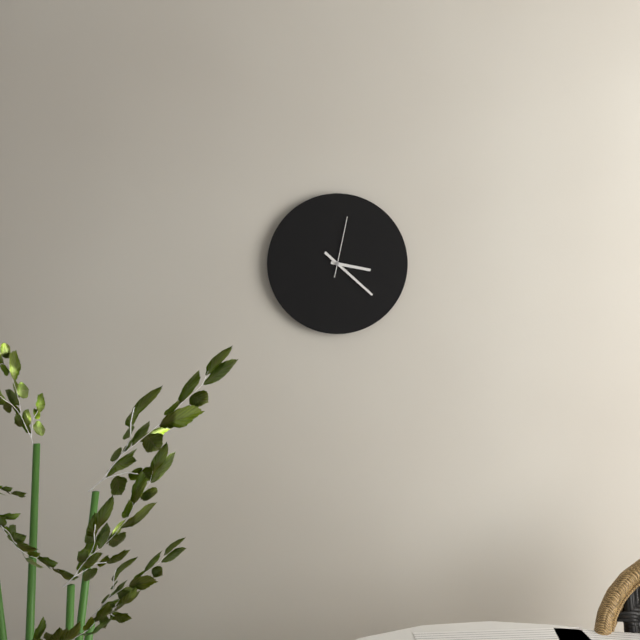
3:22:02
